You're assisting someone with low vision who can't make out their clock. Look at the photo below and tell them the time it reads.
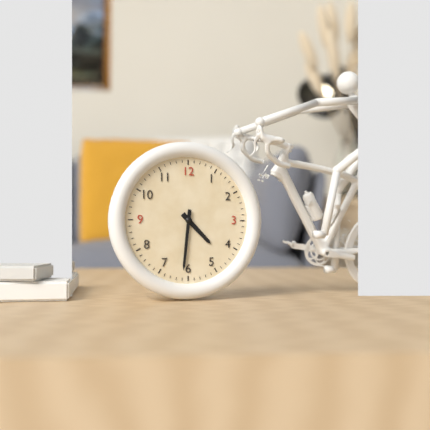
4:31
